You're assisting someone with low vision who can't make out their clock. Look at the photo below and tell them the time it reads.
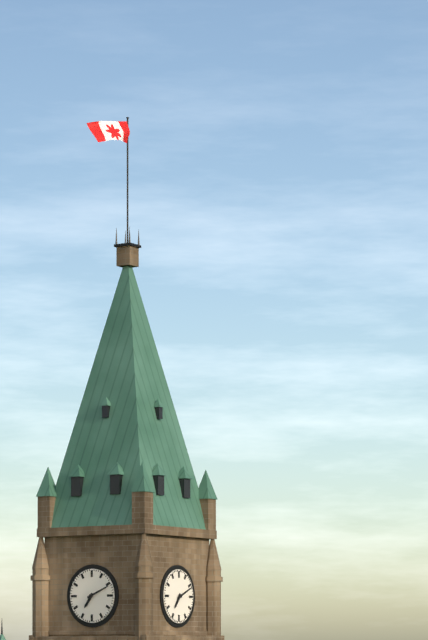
7:11
